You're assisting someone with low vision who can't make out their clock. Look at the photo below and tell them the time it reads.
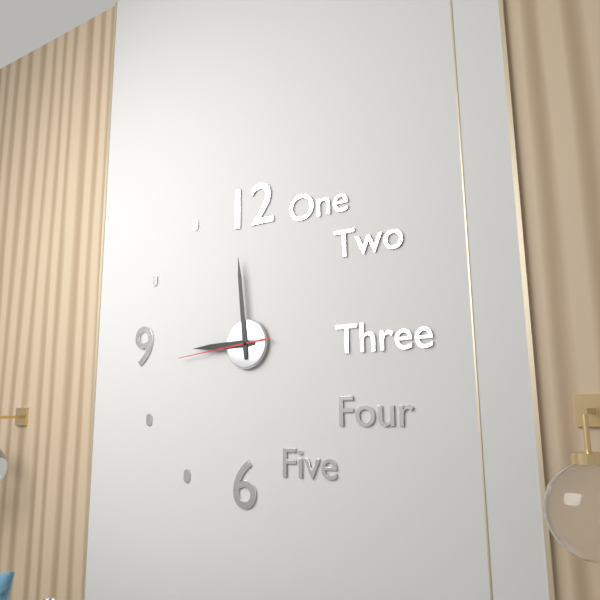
8:59:44
